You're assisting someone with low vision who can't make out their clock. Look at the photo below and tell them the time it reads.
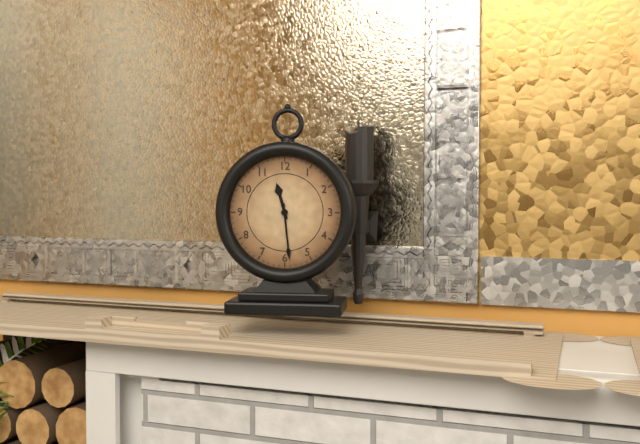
11:29
